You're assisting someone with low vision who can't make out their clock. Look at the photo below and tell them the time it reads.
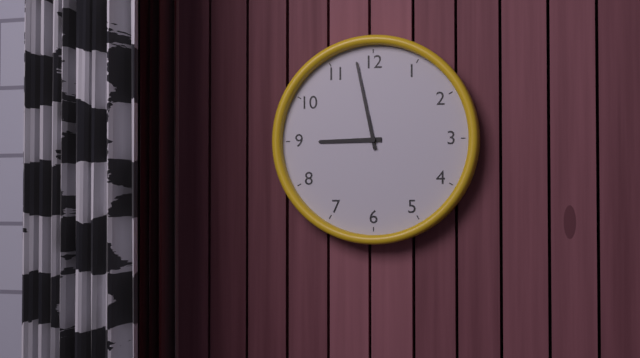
8:58
